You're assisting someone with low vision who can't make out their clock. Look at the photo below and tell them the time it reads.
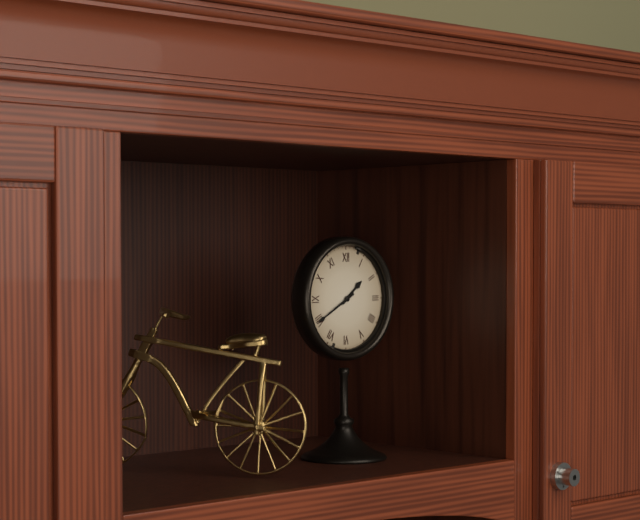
1:40
